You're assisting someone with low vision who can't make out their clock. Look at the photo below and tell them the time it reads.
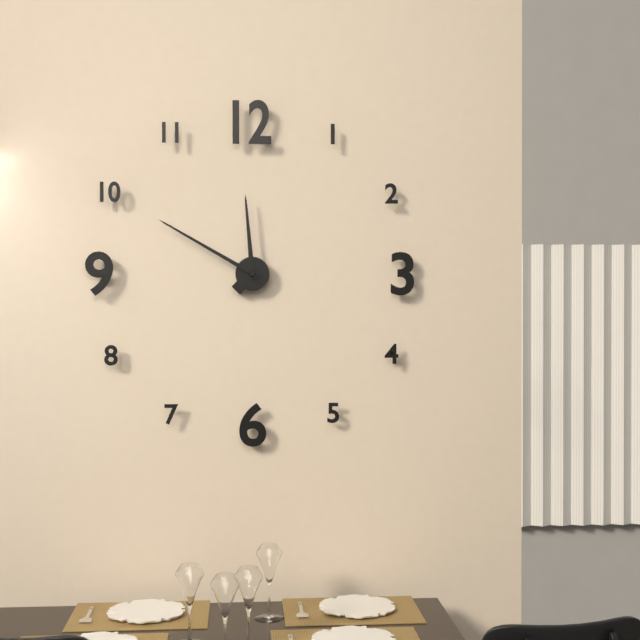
11:50
